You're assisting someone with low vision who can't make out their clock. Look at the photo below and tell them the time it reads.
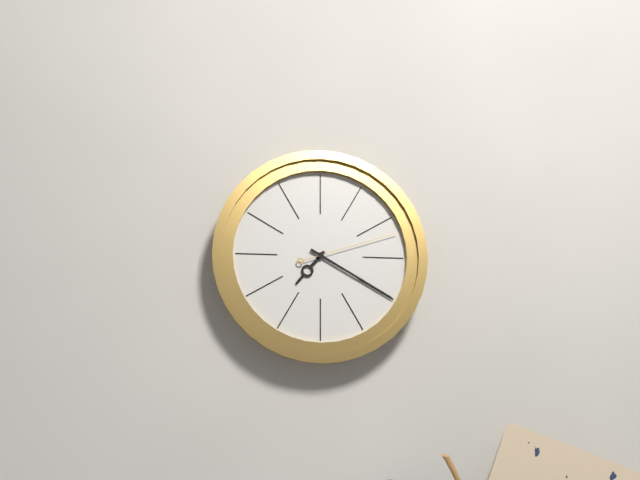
7:20:12
